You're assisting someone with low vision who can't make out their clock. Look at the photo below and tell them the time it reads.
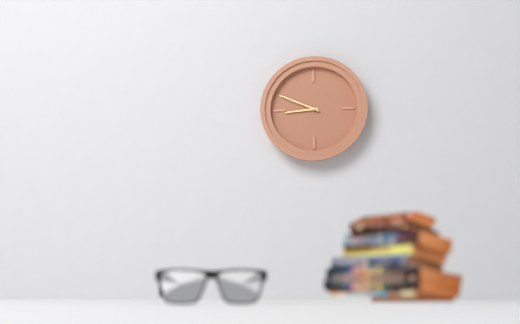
8:49
